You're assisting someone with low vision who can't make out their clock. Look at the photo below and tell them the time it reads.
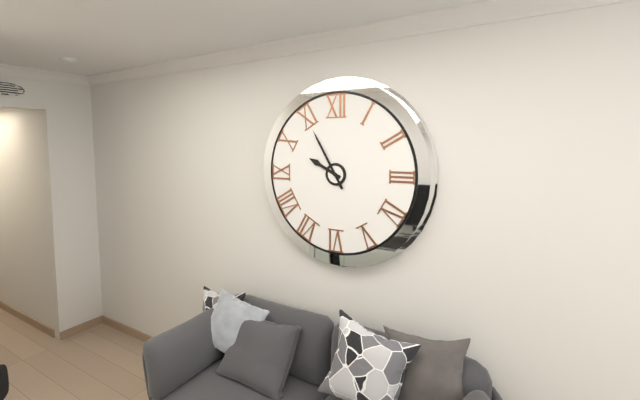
9:55
